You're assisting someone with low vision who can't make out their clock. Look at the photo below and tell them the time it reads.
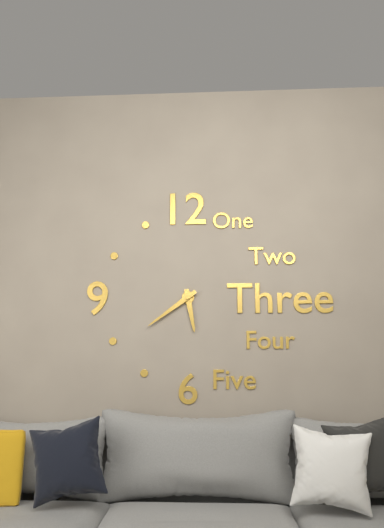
5:39
